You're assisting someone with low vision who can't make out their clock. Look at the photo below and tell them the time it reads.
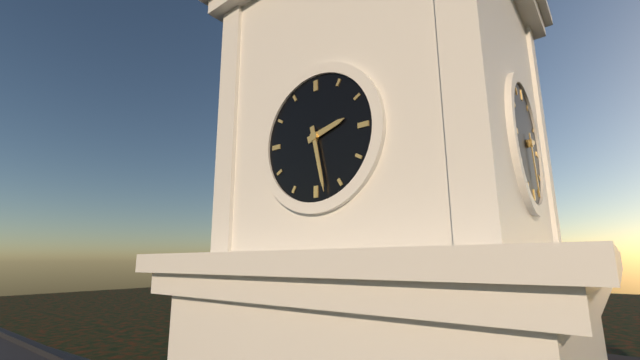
2:28
